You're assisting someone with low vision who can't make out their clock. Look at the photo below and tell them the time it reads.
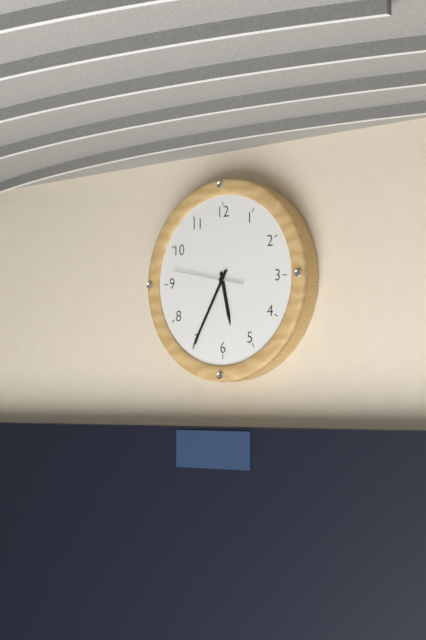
5:35:47
